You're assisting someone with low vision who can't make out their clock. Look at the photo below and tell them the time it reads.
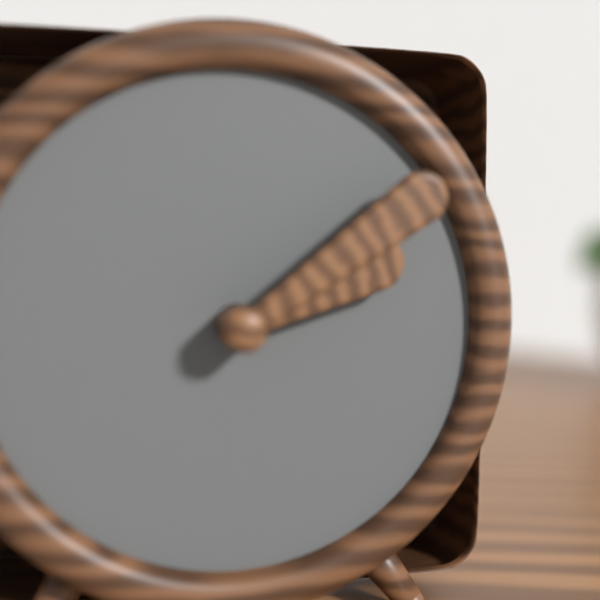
2:09
